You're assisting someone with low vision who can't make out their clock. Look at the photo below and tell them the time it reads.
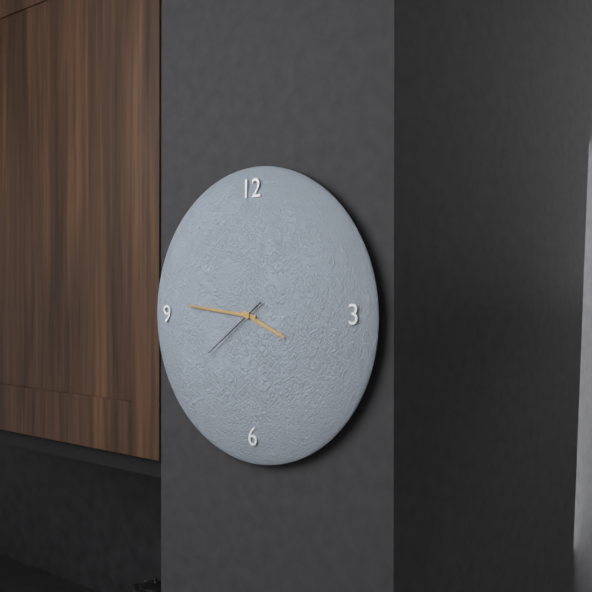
3:46:39
